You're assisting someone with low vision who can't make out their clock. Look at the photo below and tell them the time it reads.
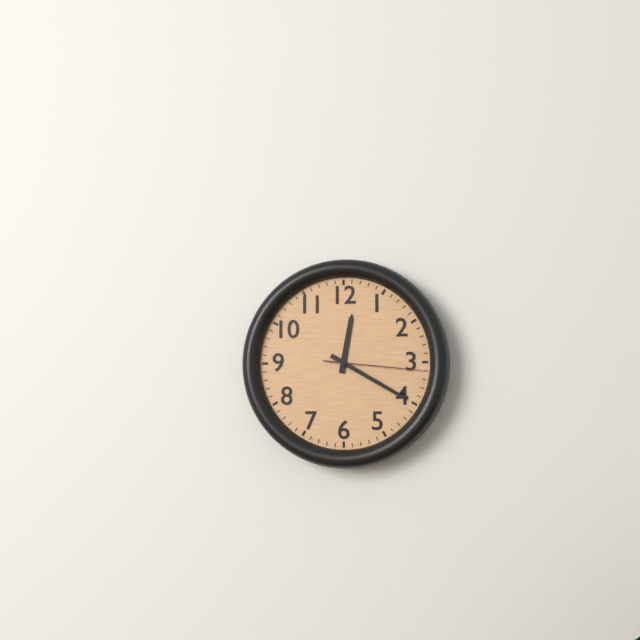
12:20:16
